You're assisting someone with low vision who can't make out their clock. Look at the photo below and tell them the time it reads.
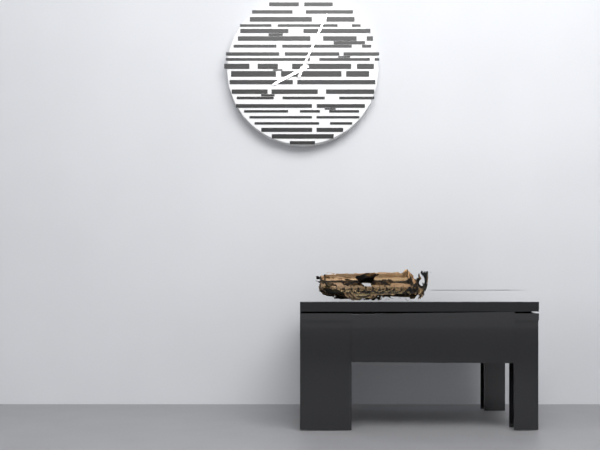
8:04
